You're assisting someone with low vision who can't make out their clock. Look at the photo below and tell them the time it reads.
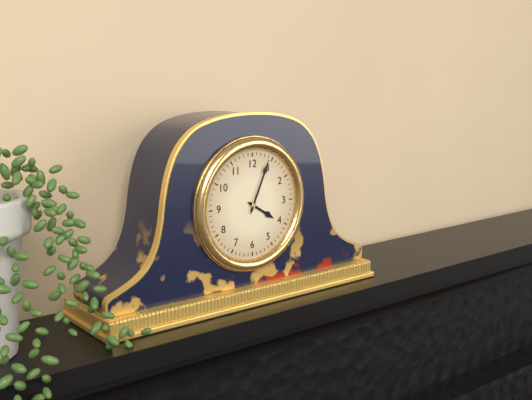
4:04
